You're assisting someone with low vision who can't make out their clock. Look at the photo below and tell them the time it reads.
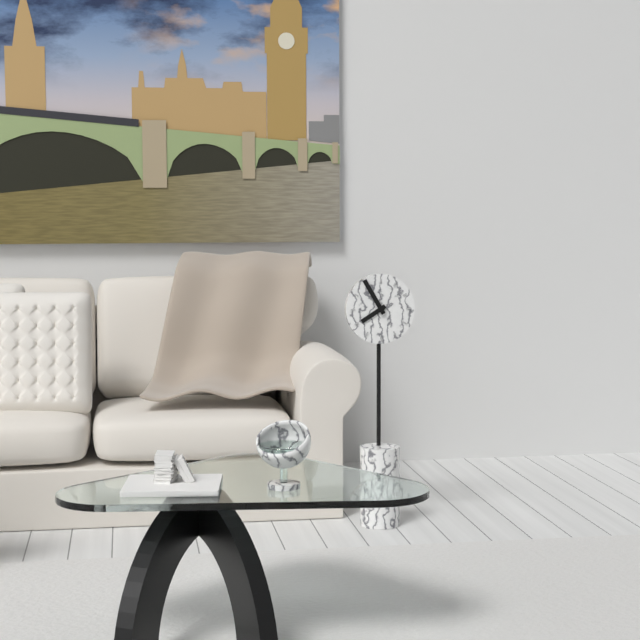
7:55
